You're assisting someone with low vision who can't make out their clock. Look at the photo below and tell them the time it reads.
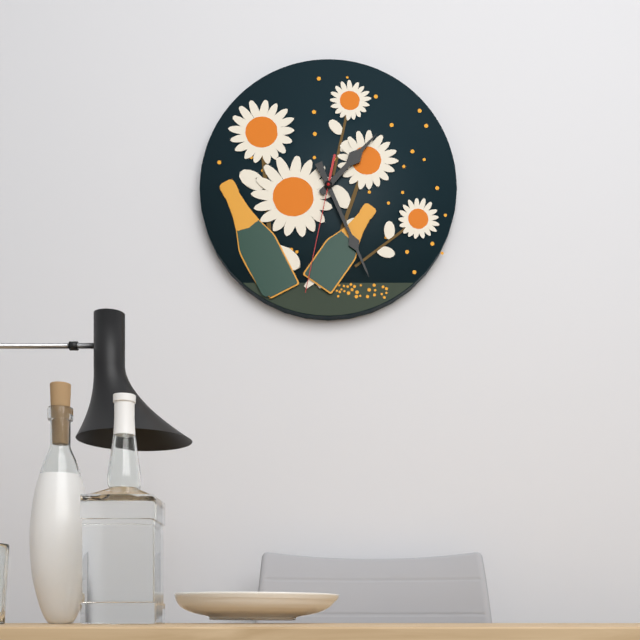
1:26:32
